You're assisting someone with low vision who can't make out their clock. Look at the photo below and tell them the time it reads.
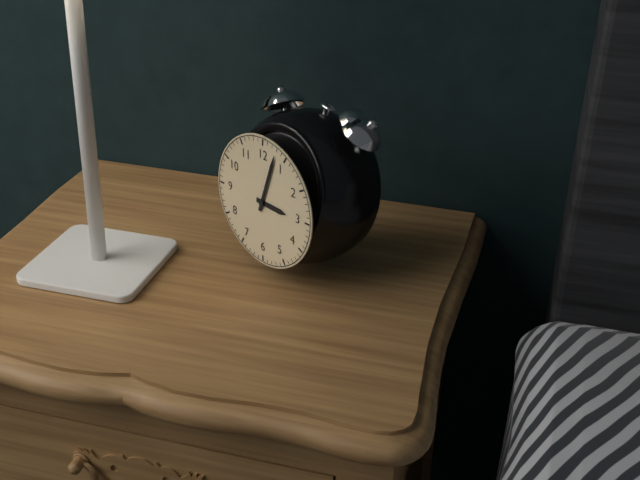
3:03
